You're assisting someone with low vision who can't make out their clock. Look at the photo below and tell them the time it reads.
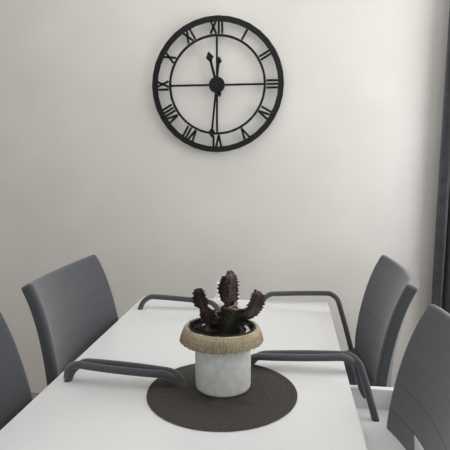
11:31
